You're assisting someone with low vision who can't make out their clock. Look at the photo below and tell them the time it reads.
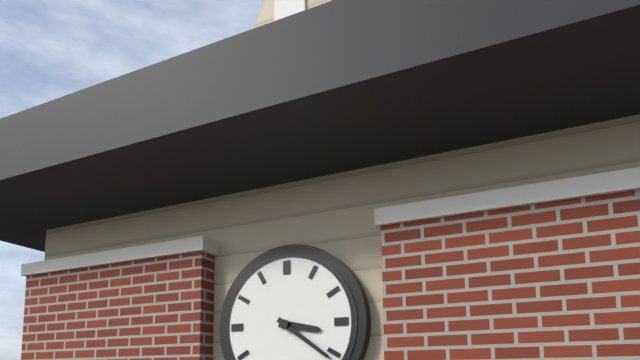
3:21
